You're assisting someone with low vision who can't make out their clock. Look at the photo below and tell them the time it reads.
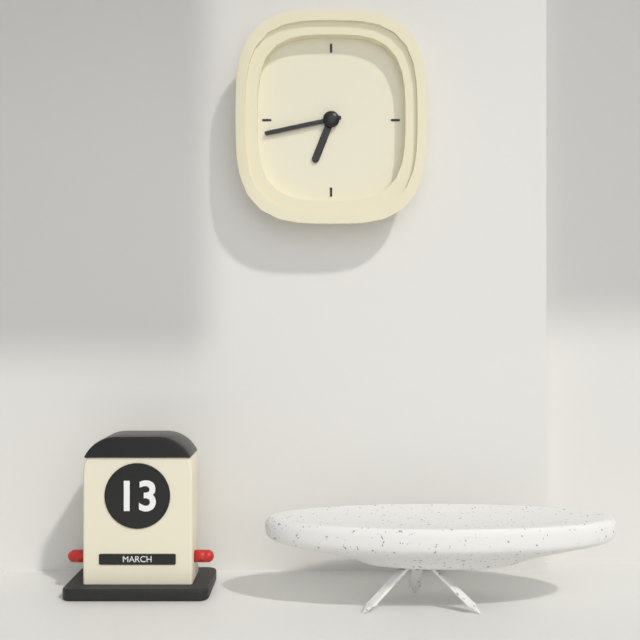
6:43
